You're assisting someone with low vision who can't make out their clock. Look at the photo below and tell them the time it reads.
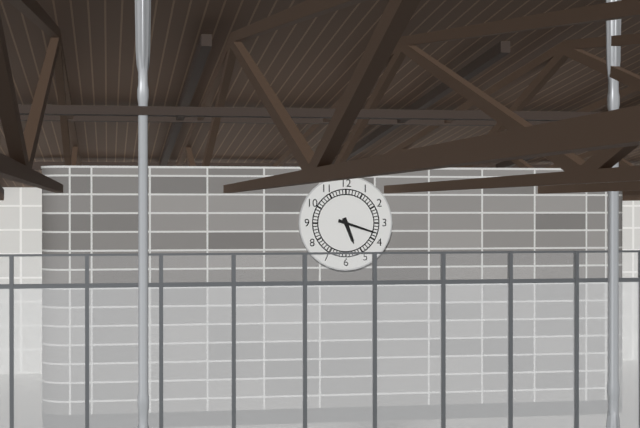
5:18
